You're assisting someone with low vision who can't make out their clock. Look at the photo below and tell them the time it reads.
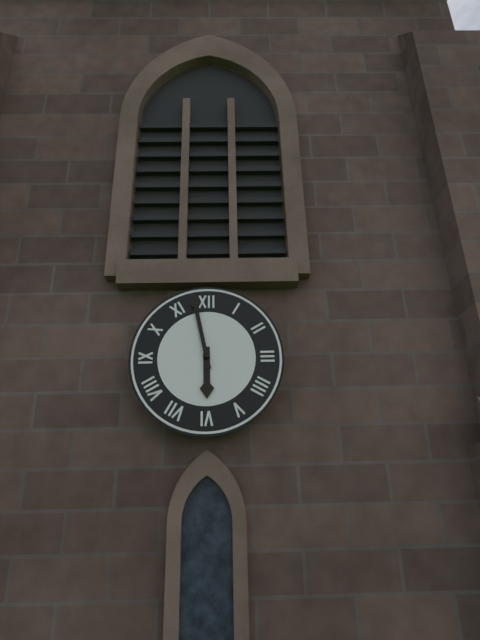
5:58
